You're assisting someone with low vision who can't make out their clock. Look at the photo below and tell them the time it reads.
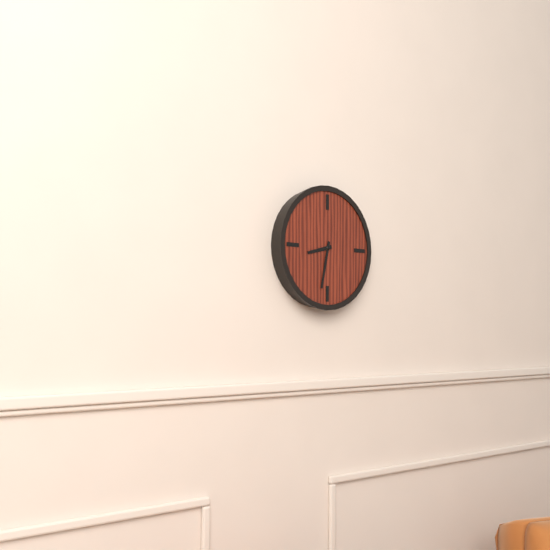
8:32
